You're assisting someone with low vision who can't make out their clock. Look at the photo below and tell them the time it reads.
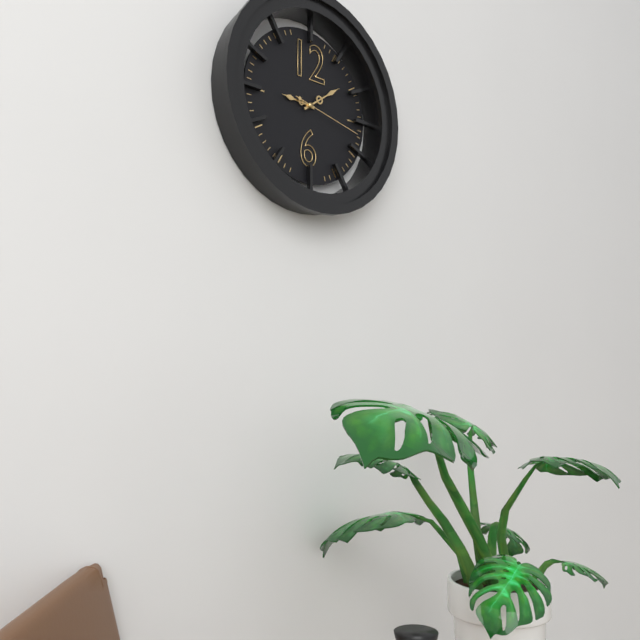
9:09:17
